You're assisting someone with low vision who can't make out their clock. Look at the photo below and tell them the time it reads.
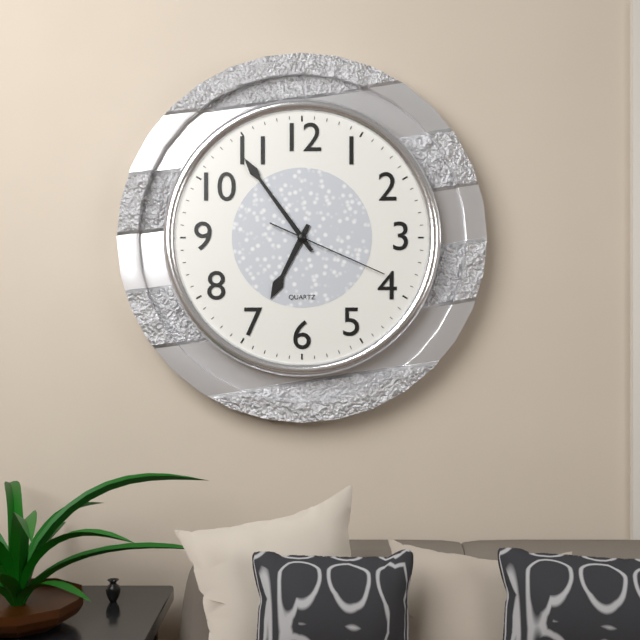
6:54:19
